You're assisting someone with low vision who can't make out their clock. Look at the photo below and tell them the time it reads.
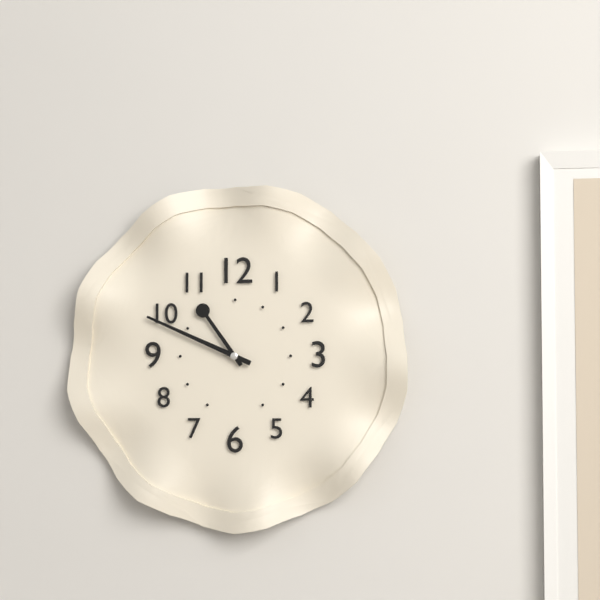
10:49
